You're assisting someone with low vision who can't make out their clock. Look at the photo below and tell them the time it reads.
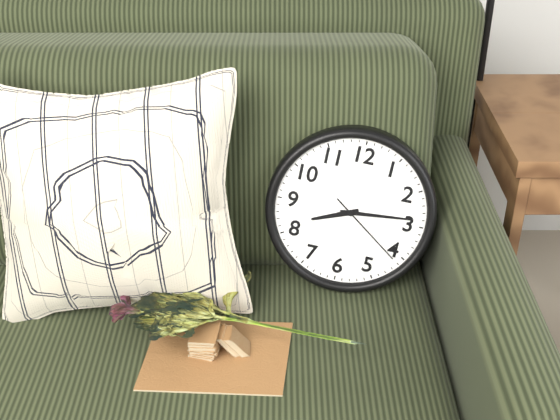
8:14:21
